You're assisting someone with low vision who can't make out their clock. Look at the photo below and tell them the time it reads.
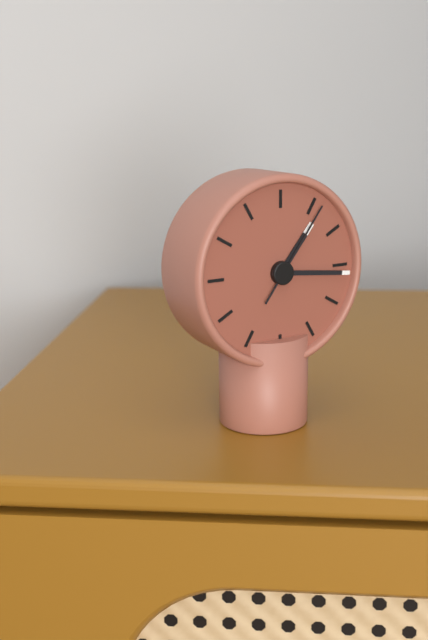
1:16:06
